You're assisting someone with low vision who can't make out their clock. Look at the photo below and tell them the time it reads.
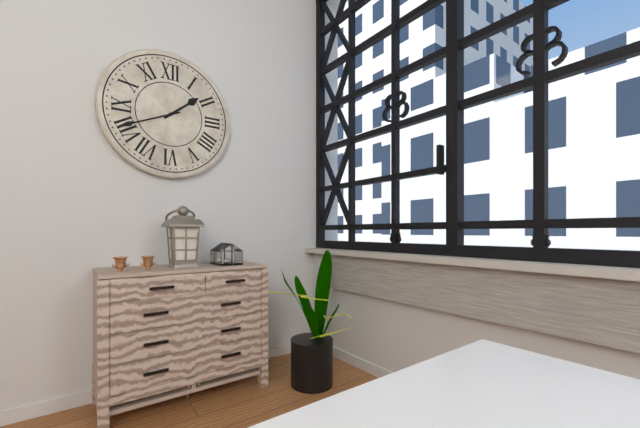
1:41
